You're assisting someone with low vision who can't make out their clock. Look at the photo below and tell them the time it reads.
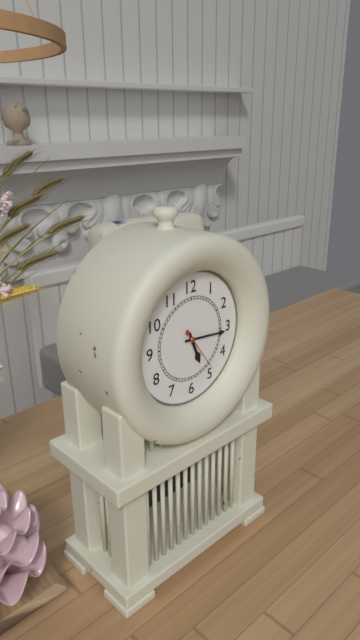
5:16
